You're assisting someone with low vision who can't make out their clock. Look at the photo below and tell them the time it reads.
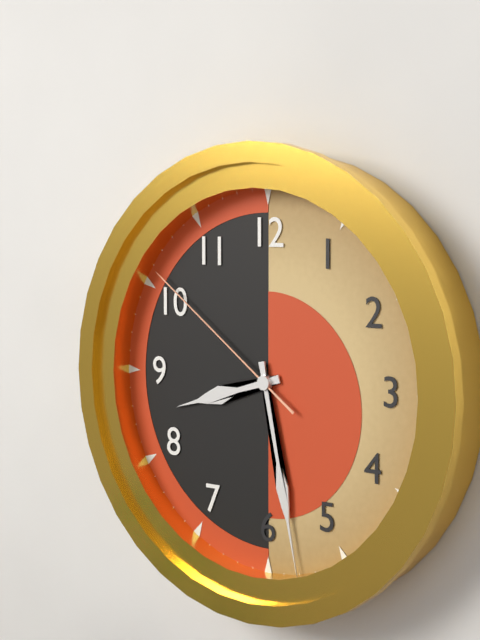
8:28:51
